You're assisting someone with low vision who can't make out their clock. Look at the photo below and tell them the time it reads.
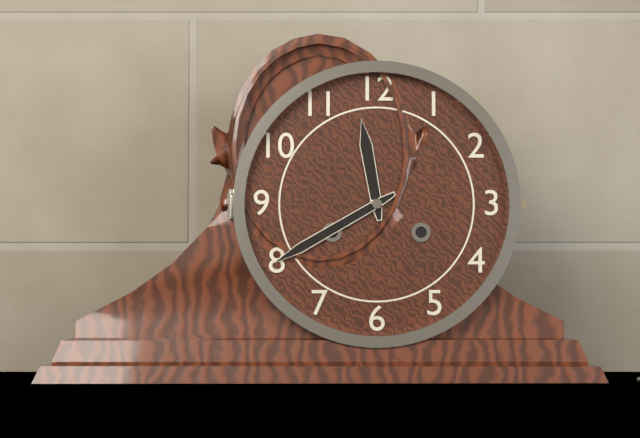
11:40
